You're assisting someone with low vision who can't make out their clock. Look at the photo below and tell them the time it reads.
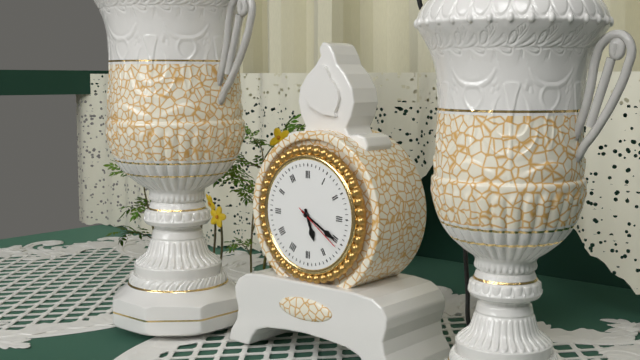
5:20:21
